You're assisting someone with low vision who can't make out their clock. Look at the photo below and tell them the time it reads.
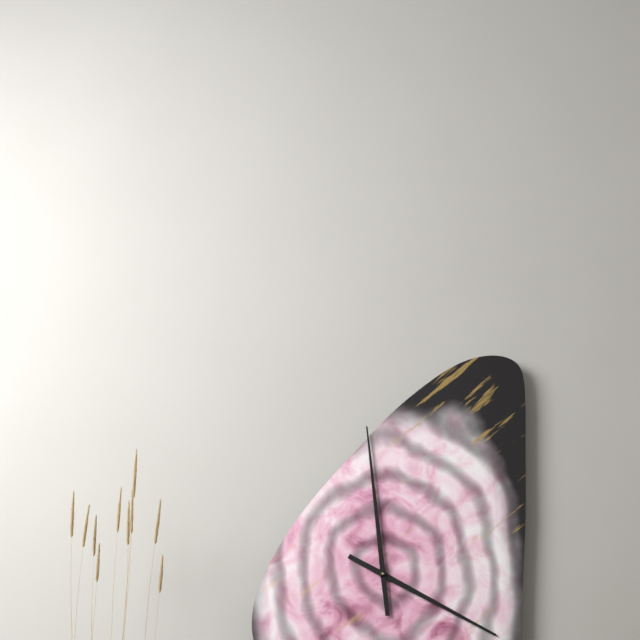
3:59
